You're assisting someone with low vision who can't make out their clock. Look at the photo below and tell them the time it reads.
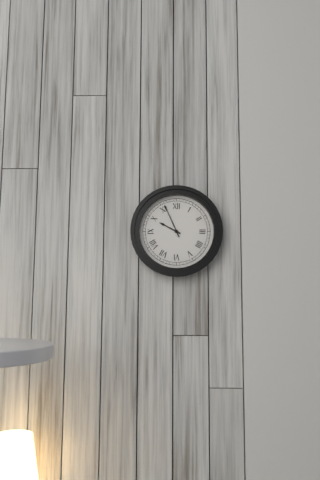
9:56
